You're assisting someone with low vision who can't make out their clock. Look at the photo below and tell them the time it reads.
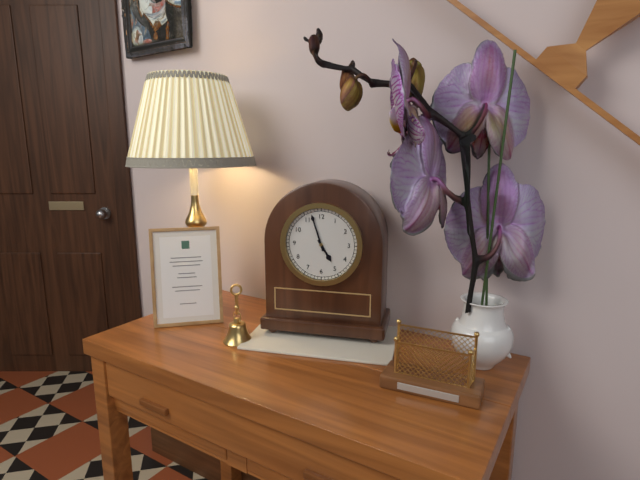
4:57
